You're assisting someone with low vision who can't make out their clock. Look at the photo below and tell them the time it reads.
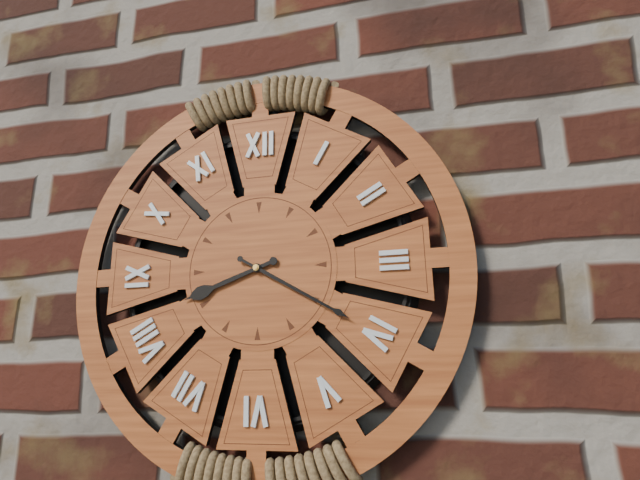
8:20
